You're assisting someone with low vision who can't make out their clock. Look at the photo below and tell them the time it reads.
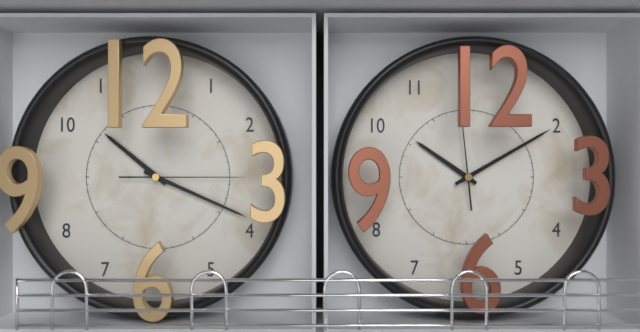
10:19:15
